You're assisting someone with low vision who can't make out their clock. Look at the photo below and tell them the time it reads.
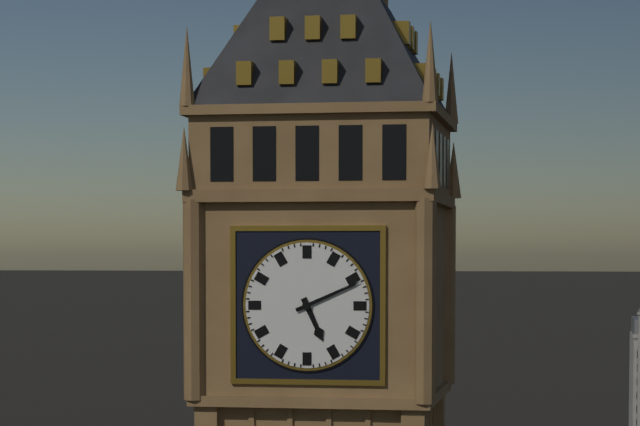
5:11
